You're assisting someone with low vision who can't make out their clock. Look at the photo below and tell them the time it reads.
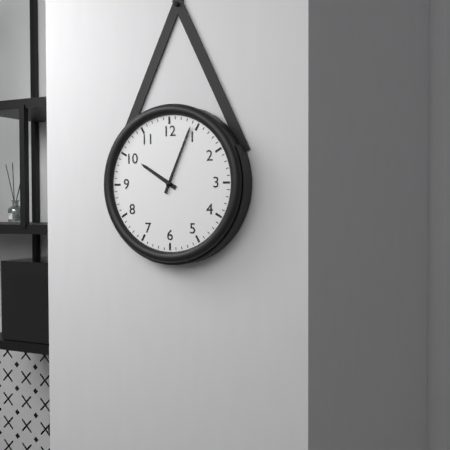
10:04
